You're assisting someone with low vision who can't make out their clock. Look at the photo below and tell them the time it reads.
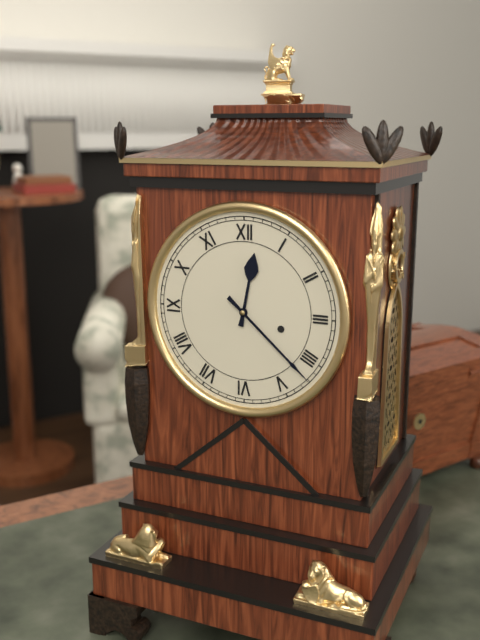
12:22
